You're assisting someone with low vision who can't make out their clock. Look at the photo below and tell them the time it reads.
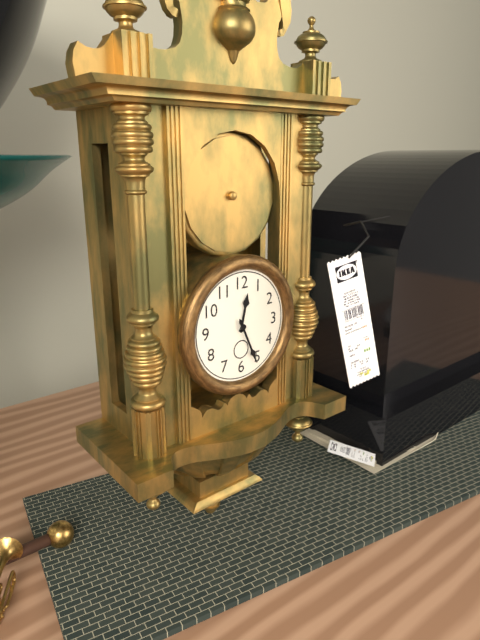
12:26
